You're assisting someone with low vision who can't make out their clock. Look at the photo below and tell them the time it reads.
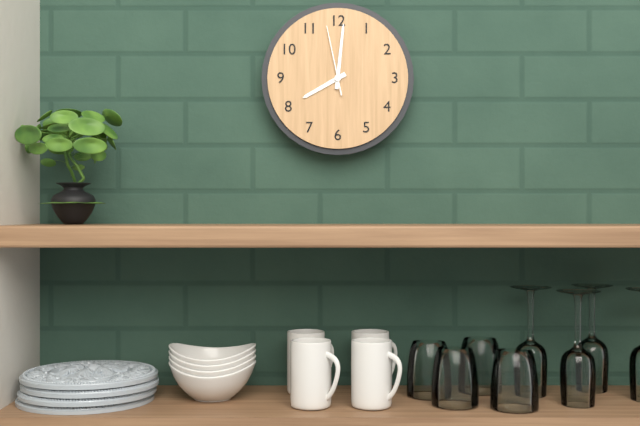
8:01:58
